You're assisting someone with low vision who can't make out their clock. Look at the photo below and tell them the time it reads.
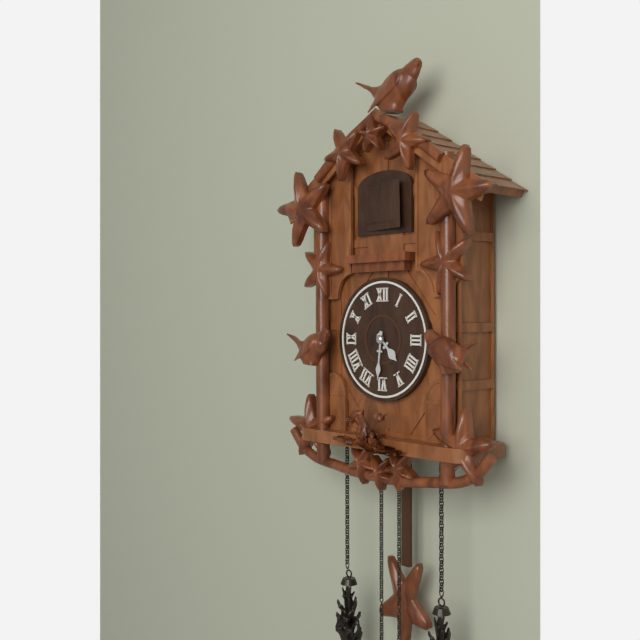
4:31
